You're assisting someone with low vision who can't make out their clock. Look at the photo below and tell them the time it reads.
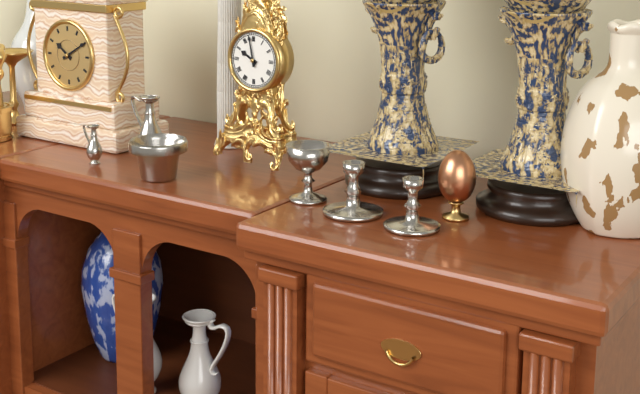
9:58
